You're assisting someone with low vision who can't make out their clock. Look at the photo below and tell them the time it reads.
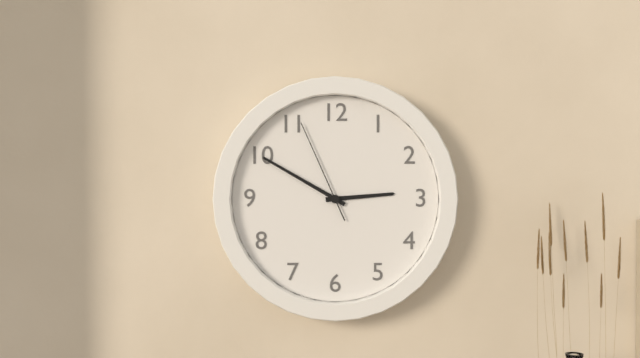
2:50:56
